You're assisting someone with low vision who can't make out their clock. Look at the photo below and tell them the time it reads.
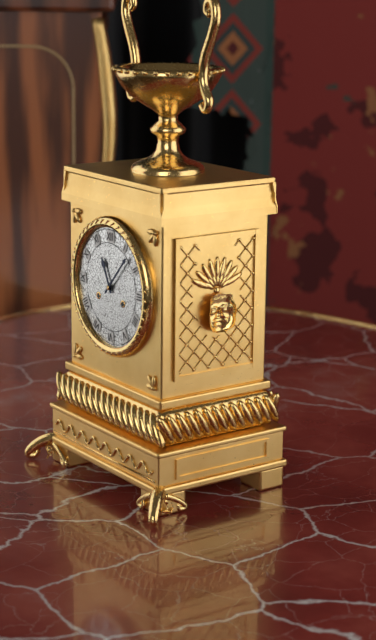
11:07
